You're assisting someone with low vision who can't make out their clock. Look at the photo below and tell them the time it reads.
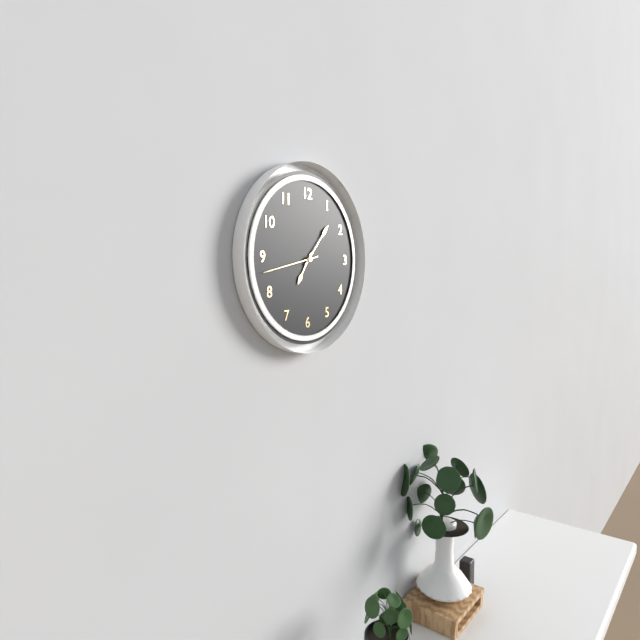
7:07:43
